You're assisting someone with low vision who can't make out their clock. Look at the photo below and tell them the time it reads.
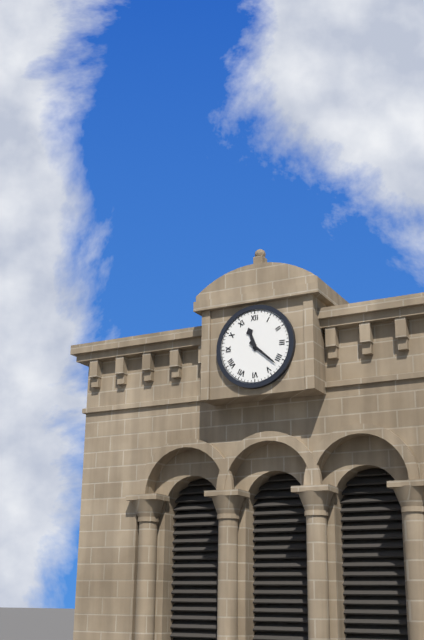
11:22
